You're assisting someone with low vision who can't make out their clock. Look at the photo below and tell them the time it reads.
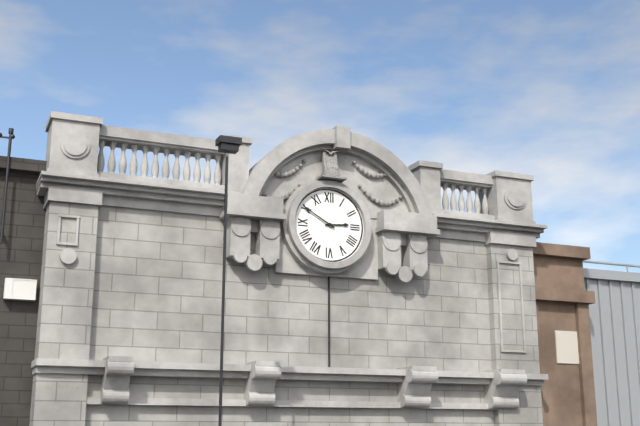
2:50
